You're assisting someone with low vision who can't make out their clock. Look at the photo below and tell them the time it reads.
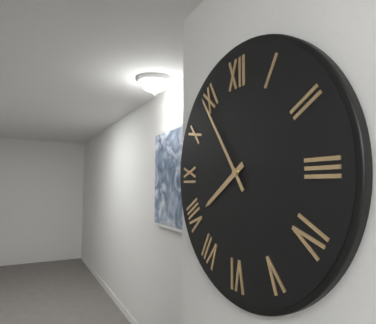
7:54
